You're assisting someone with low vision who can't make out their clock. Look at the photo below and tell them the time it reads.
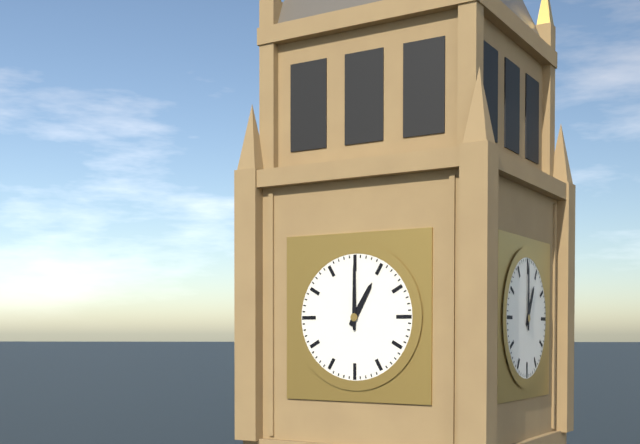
1:00
